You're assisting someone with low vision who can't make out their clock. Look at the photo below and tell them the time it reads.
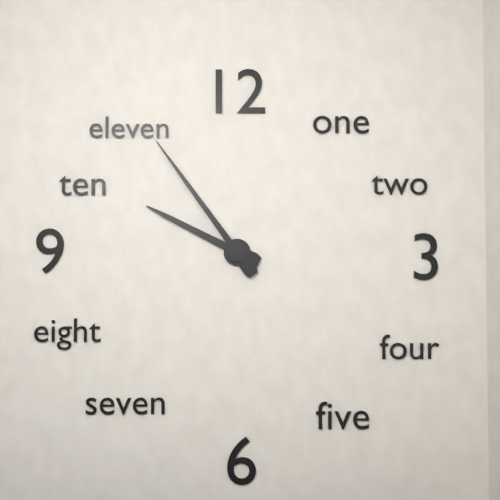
9:54
